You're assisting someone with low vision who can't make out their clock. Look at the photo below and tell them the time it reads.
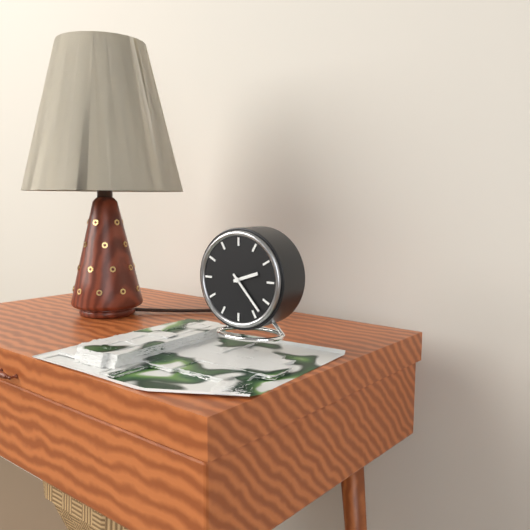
2:23
